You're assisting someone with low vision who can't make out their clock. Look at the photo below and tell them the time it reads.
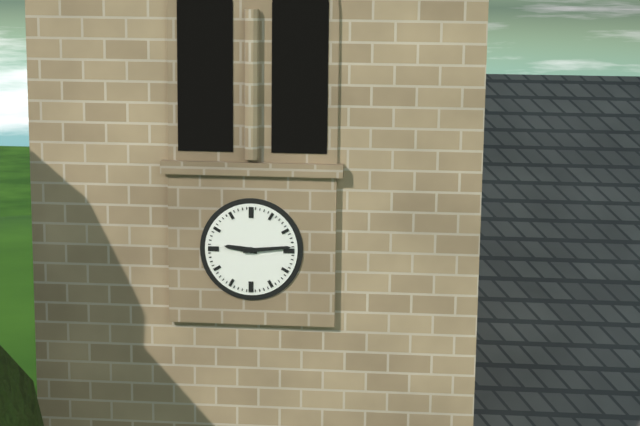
9:14
